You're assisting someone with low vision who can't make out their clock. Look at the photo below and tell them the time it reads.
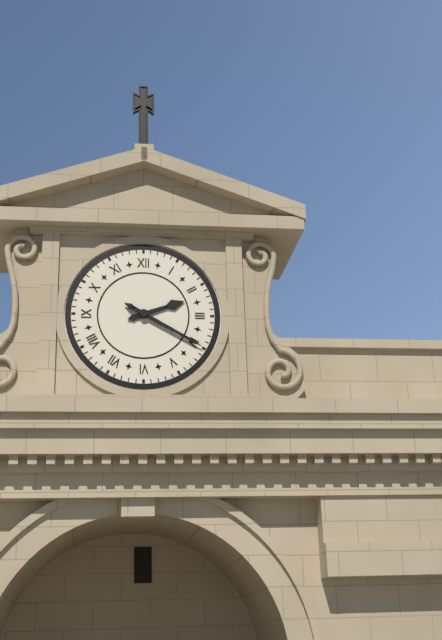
2:20
